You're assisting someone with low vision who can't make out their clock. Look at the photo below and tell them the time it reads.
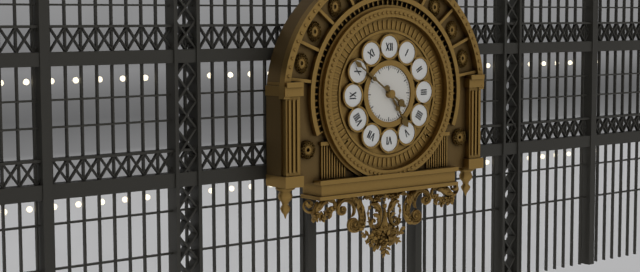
4:51
